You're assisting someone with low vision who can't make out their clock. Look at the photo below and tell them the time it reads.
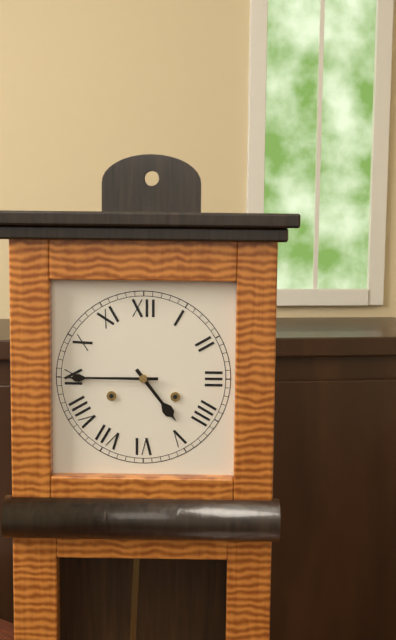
4:45
